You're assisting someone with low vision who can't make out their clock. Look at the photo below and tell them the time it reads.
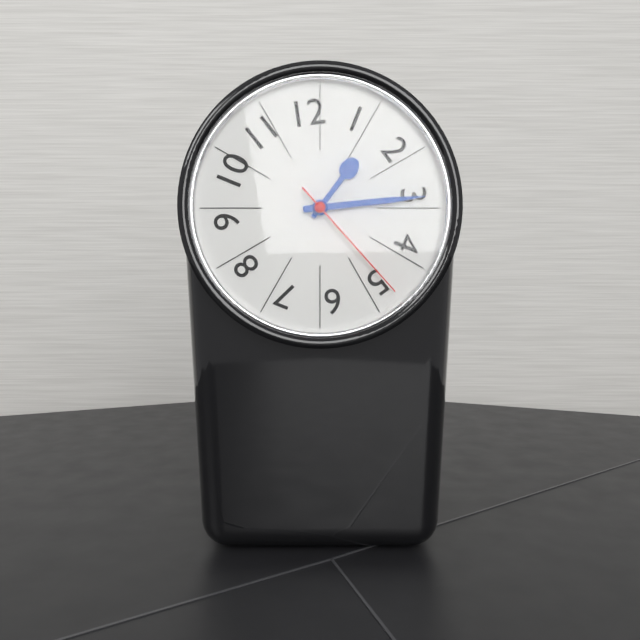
1:14:23
